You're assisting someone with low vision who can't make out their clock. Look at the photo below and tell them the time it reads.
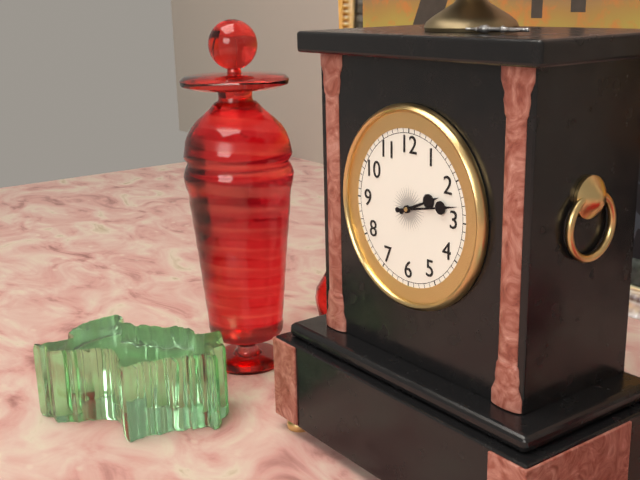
2:13
